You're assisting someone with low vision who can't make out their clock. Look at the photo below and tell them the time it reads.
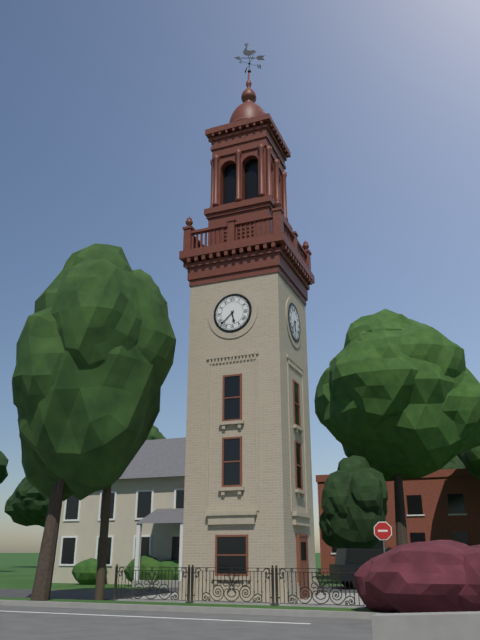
5:38
